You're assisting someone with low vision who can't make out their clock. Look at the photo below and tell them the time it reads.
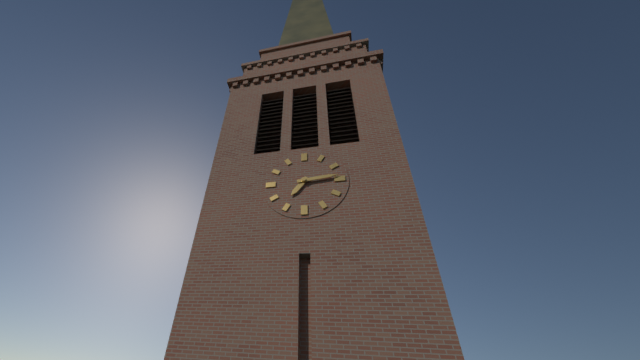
7:14
